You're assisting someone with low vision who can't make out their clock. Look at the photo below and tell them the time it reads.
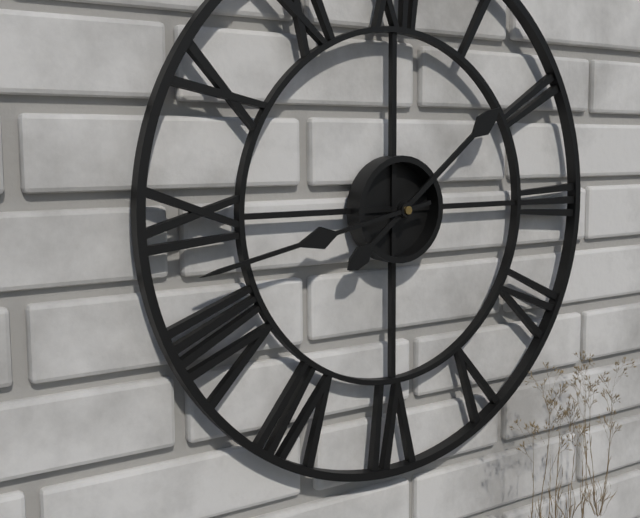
1:43
